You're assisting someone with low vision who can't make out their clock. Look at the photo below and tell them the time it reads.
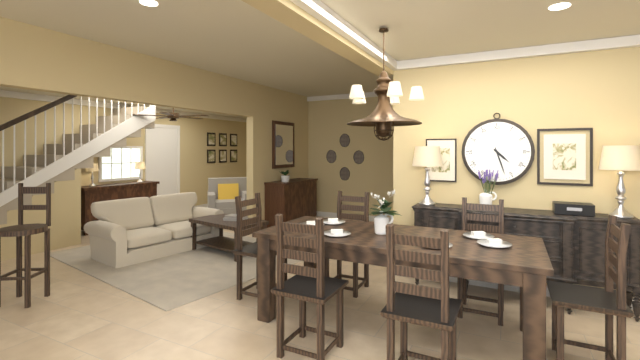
4:27
